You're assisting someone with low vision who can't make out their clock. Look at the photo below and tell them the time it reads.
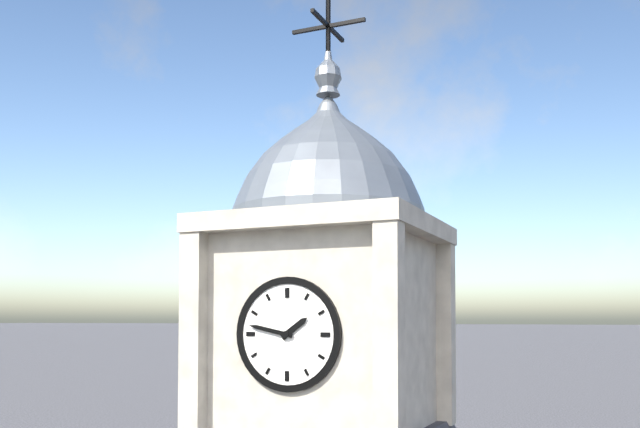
1:47
